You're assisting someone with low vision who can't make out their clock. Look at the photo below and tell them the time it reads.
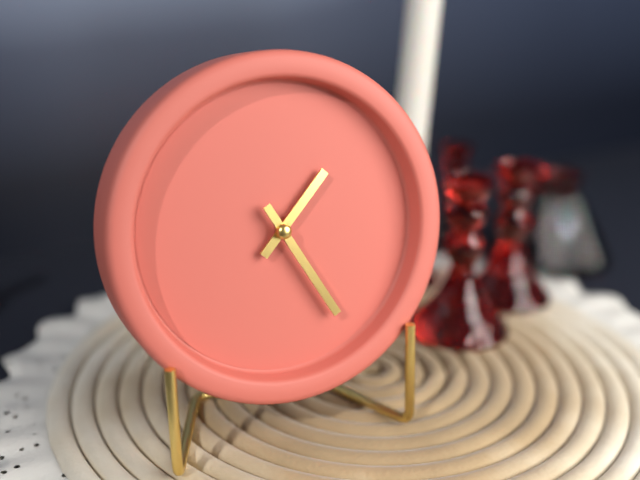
1:25
